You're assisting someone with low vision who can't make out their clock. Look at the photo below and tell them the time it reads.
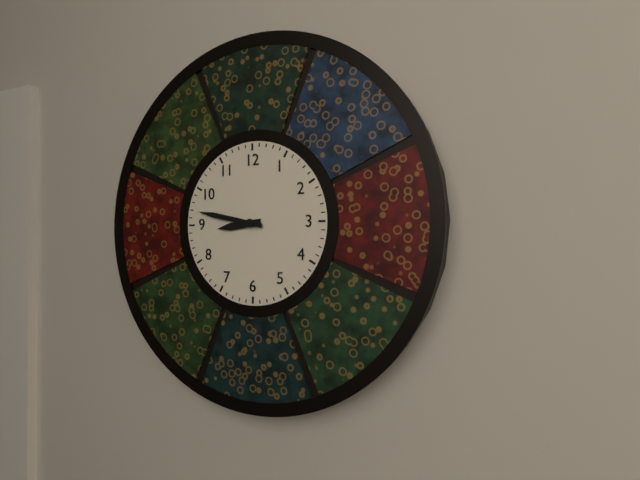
8:47
